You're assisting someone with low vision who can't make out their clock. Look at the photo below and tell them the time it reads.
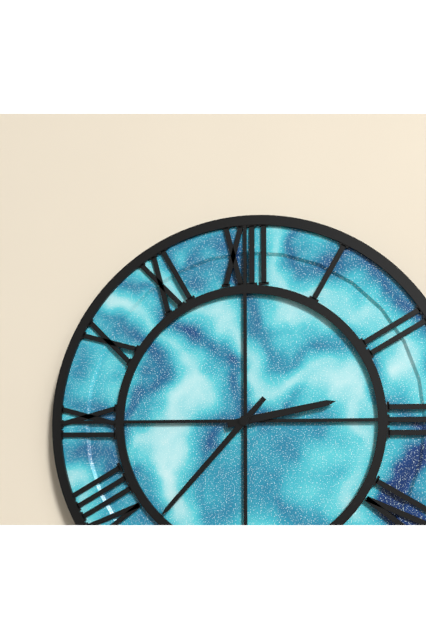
2:37
